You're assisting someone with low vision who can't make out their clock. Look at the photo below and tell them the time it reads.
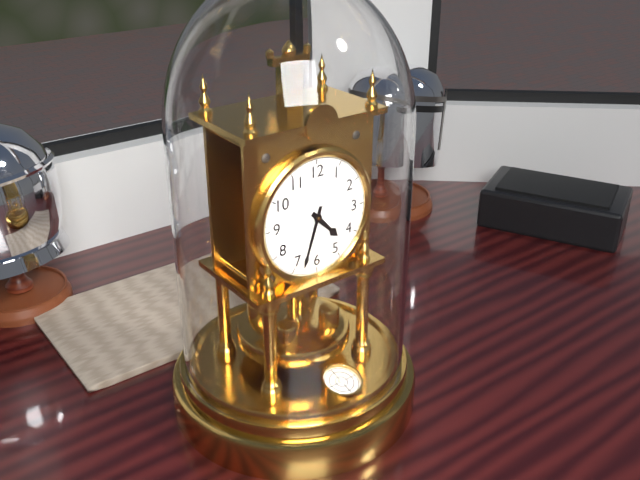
4:33
